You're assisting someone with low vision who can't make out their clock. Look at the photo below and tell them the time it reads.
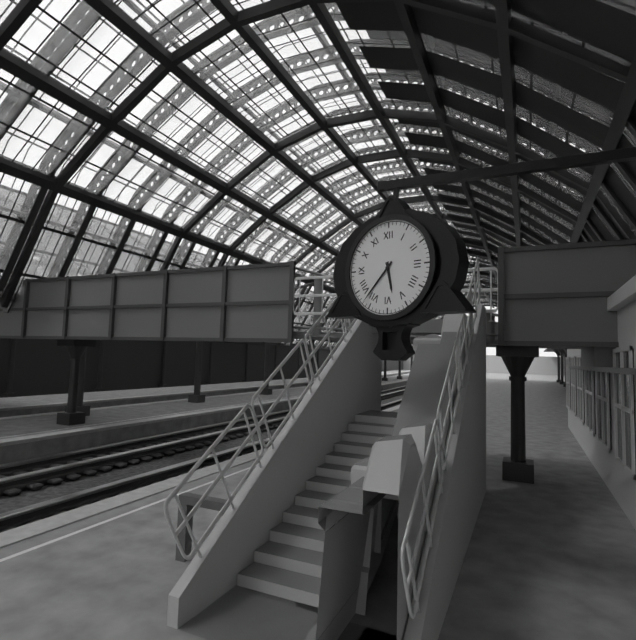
5:37
